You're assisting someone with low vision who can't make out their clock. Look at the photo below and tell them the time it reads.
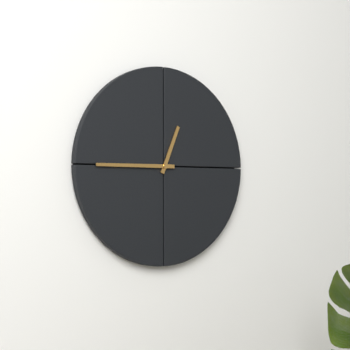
12:45
